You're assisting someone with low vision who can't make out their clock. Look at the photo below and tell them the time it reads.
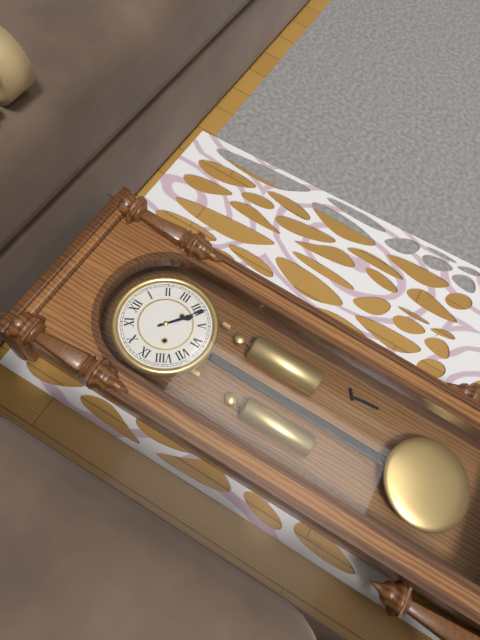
4:21
